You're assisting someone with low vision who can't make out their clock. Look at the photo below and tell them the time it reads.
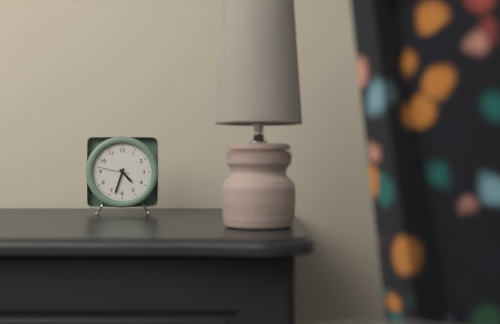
4:33
